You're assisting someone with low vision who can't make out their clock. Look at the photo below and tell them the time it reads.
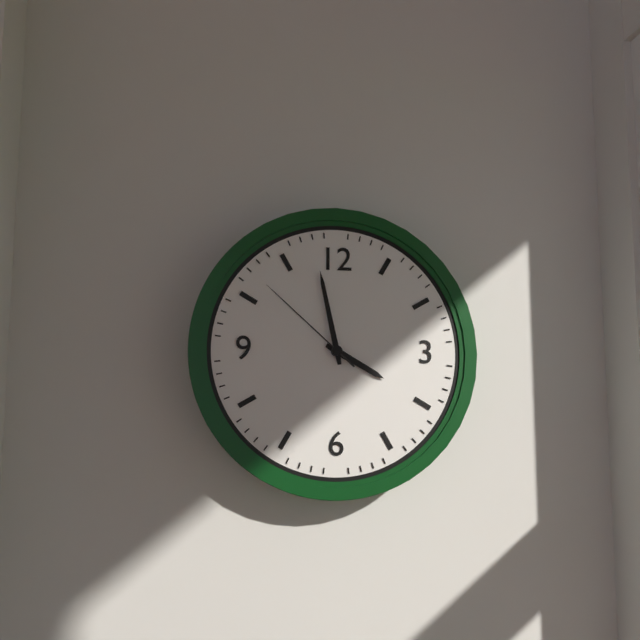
3:58:52
